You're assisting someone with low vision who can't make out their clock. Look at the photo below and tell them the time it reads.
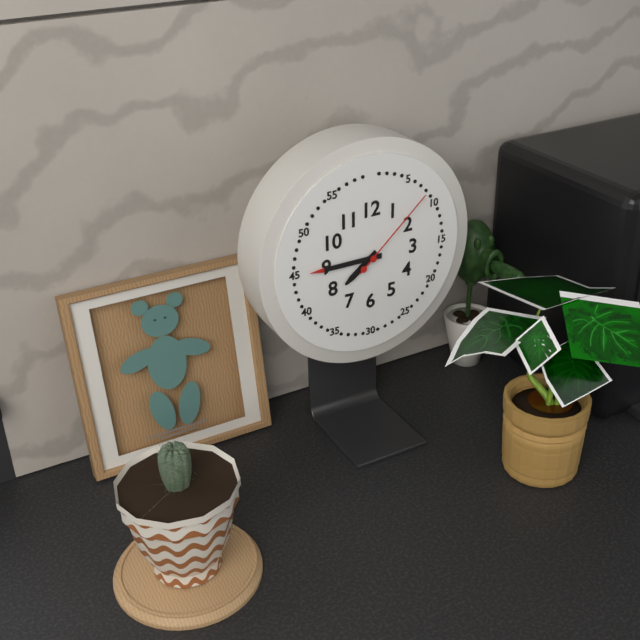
7:45:08
